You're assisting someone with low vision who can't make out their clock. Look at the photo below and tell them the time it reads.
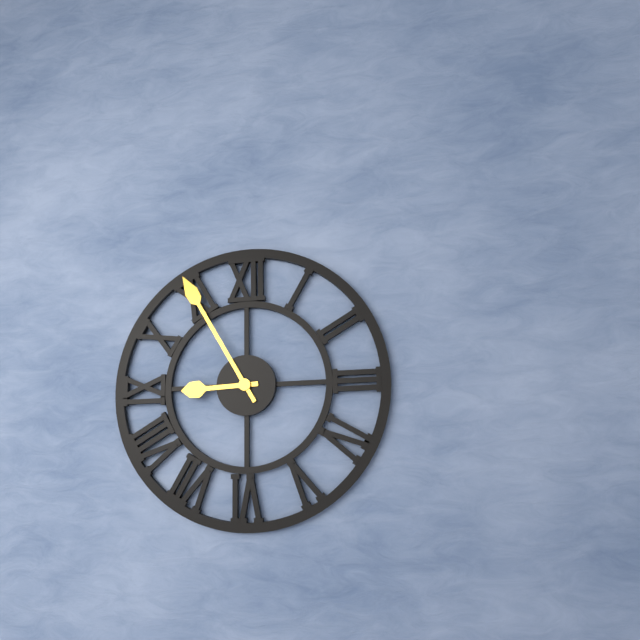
8:55
